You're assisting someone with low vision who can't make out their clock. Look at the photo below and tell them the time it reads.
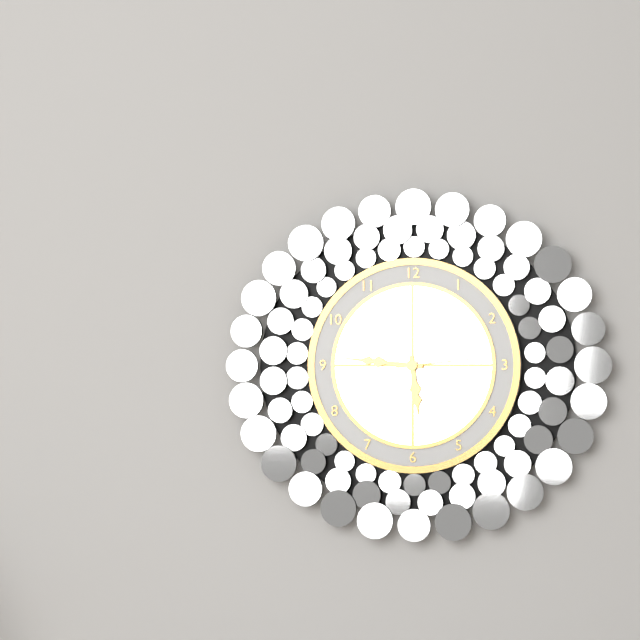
5:46:14
